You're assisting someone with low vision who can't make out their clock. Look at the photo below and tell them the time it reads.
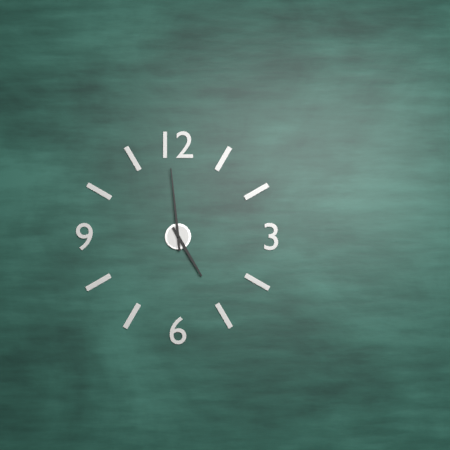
4:59
